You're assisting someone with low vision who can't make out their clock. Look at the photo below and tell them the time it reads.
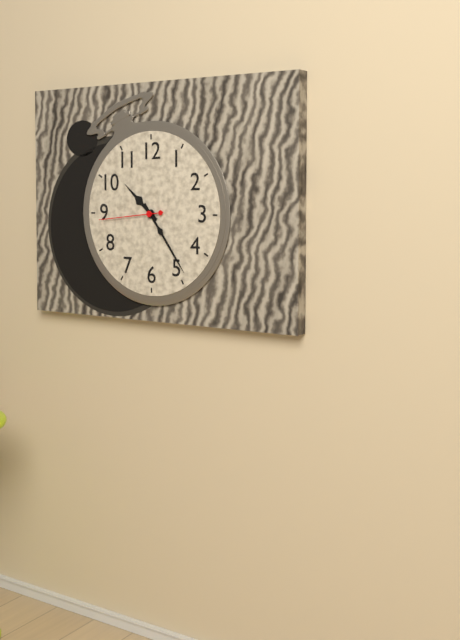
10:24:44
